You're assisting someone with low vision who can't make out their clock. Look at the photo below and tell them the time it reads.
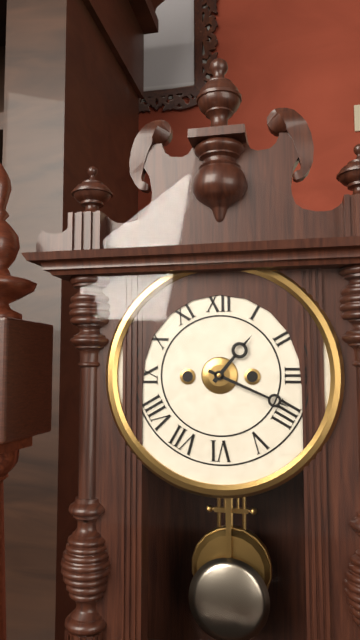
1:19
